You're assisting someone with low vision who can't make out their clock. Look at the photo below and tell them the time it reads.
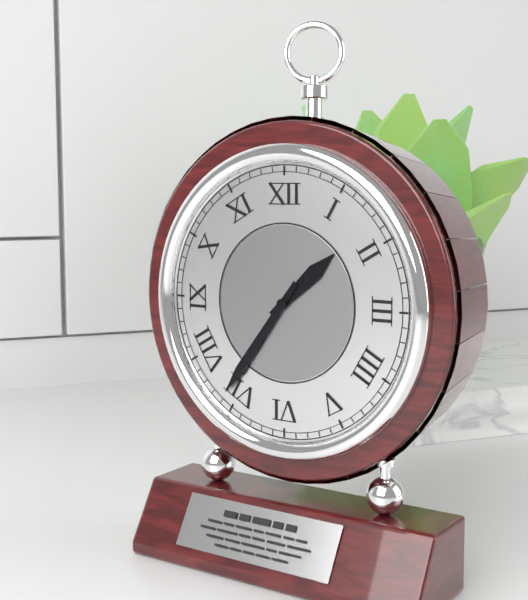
1:36
